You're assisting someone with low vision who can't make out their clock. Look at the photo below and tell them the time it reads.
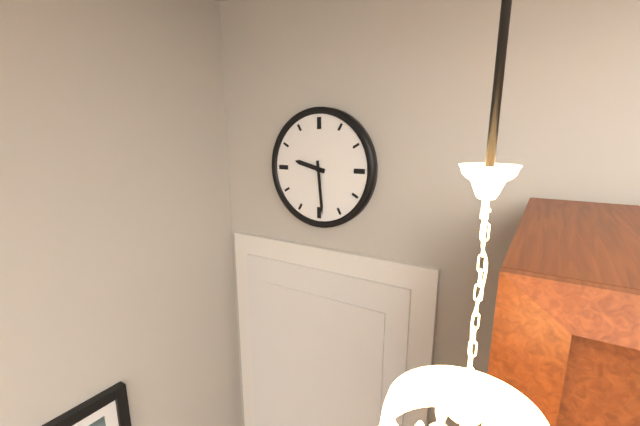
9:29
